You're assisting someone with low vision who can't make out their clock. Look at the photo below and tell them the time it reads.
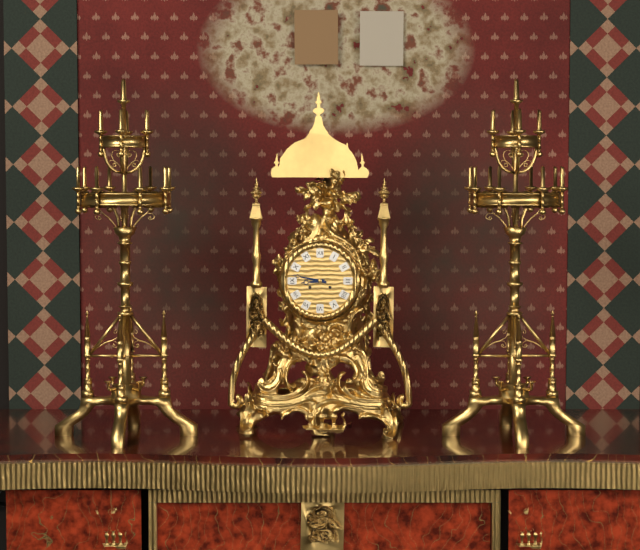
8:47
